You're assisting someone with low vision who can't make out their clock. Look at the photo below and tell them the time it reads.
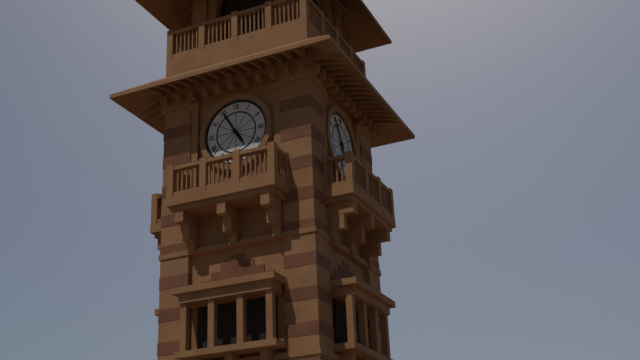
4:55
